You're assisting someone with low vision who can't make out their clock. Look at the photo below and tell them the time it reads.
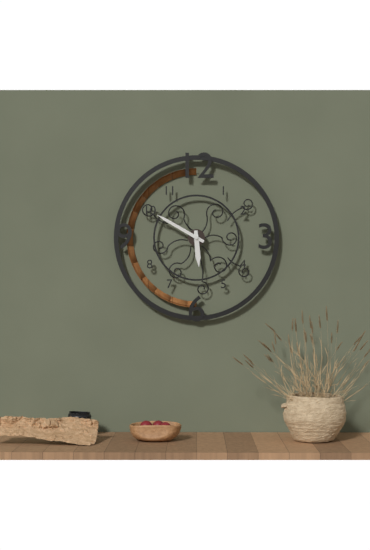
5:50
